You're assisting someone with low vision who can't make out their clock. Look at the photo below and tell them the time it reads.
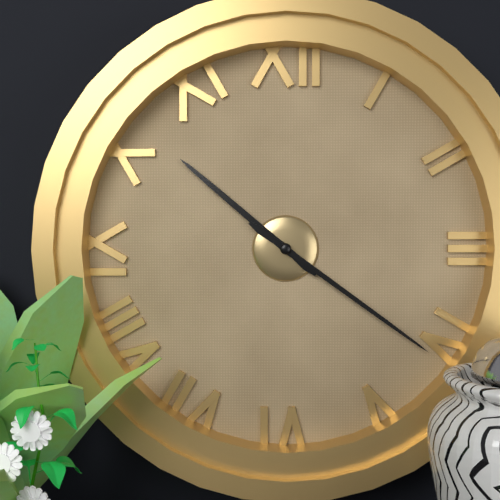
10:21
